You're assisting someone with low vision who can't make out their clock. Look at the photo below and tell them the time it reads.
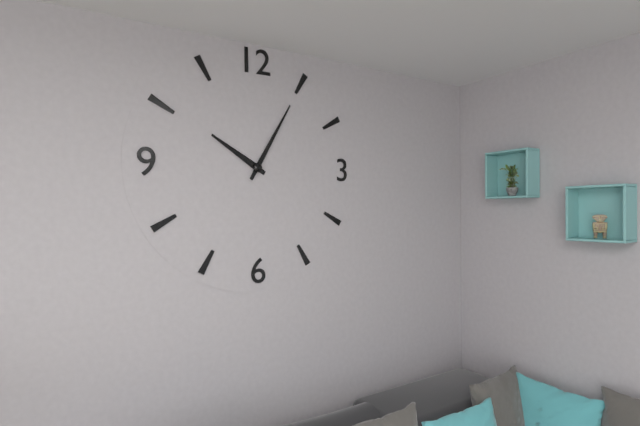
10:05
